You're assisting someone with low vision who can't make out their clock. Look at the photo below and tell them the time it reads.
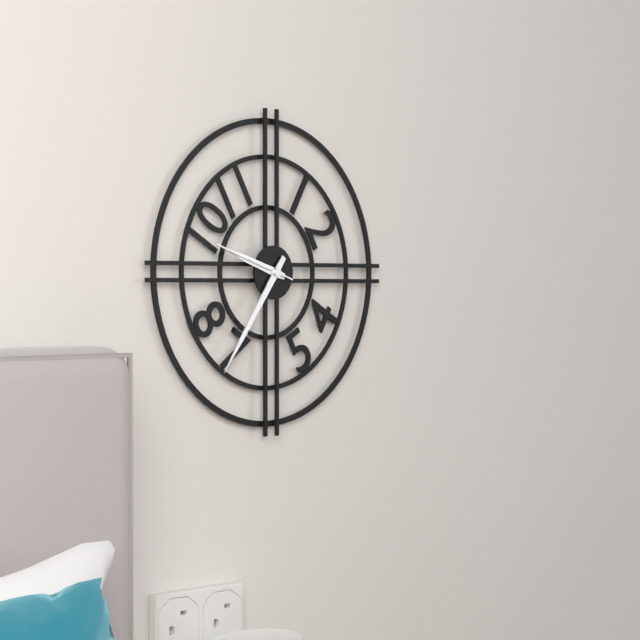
9:36:48
